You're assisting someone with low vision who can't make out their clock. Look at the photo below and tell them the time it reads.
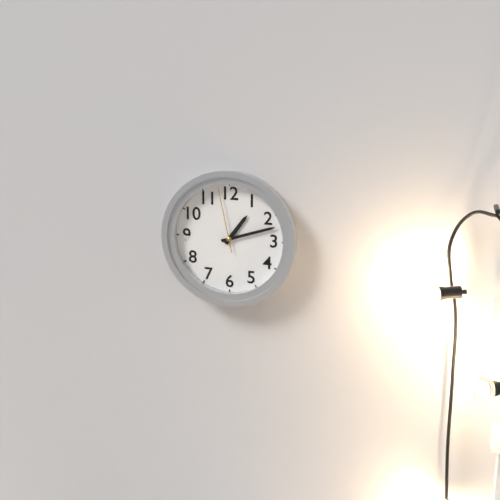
1:12:58
